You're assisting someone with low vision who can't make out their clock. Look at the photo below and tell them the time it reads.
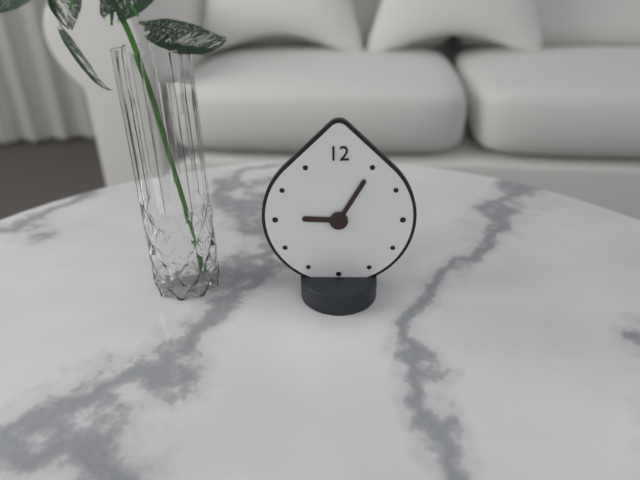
9:05
